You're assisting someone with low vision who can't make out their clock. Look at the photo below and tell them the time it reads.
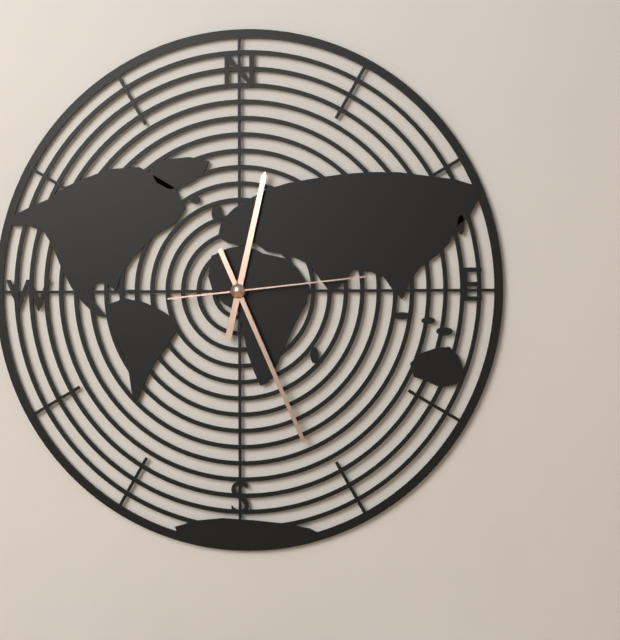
12:26:14
